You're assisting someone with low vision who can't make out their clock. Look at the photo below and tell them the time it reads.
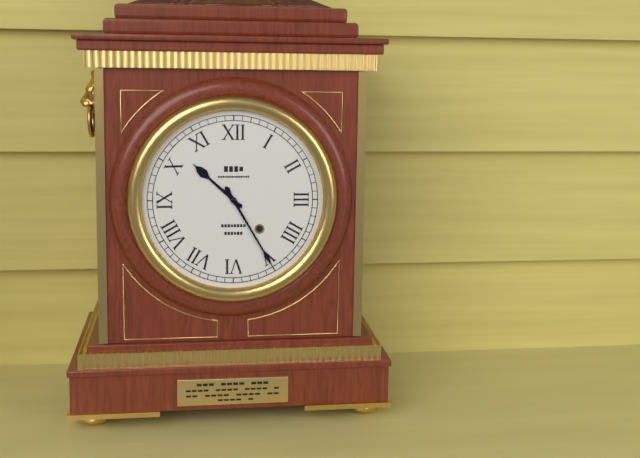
10:25
